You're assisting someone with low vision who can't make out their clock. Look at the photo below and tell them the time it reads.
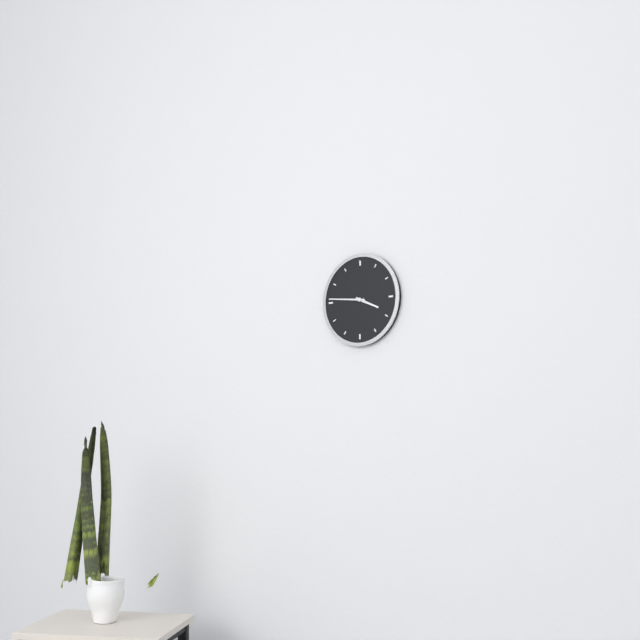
3:46
